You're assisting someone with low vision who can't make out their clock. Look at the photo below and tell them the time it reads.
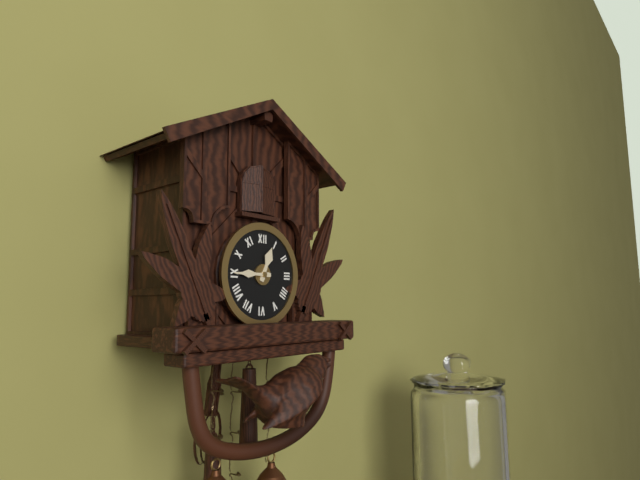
12:45
